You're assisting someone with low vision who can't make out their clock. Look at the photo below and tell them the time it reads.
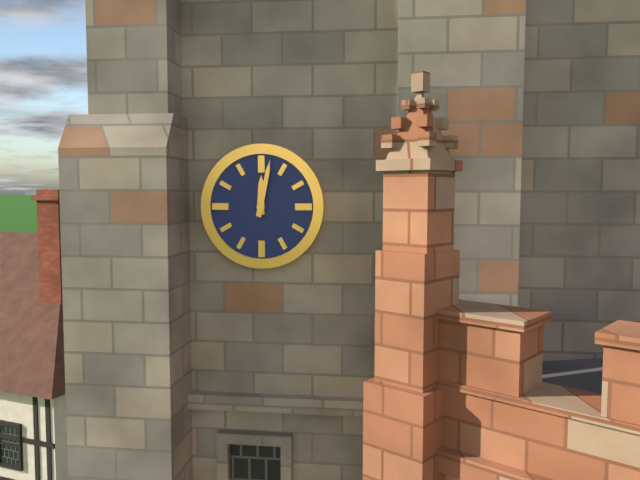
12:02
